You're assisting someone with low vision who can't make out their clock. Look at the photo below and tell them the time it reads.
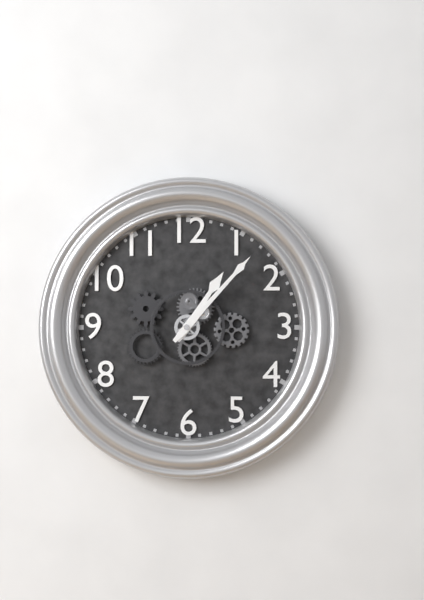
1:07
